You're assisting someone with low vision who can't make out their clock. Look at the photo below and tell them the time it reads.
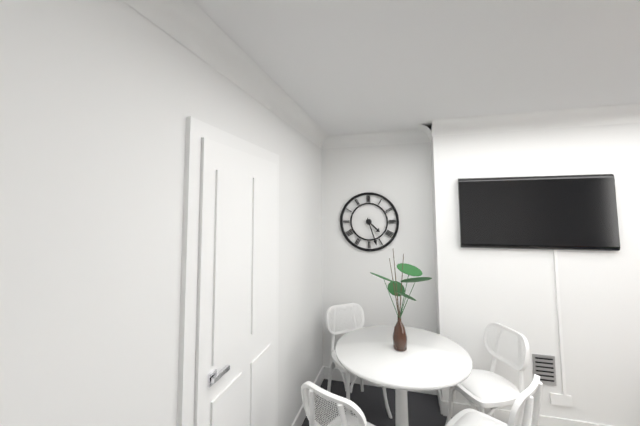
4:27
